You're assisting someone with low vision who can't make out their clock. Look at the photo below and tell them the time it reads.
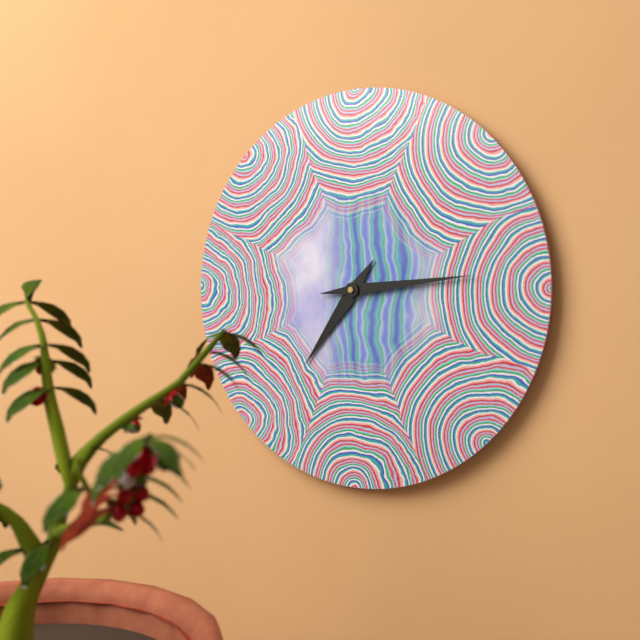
7:14
